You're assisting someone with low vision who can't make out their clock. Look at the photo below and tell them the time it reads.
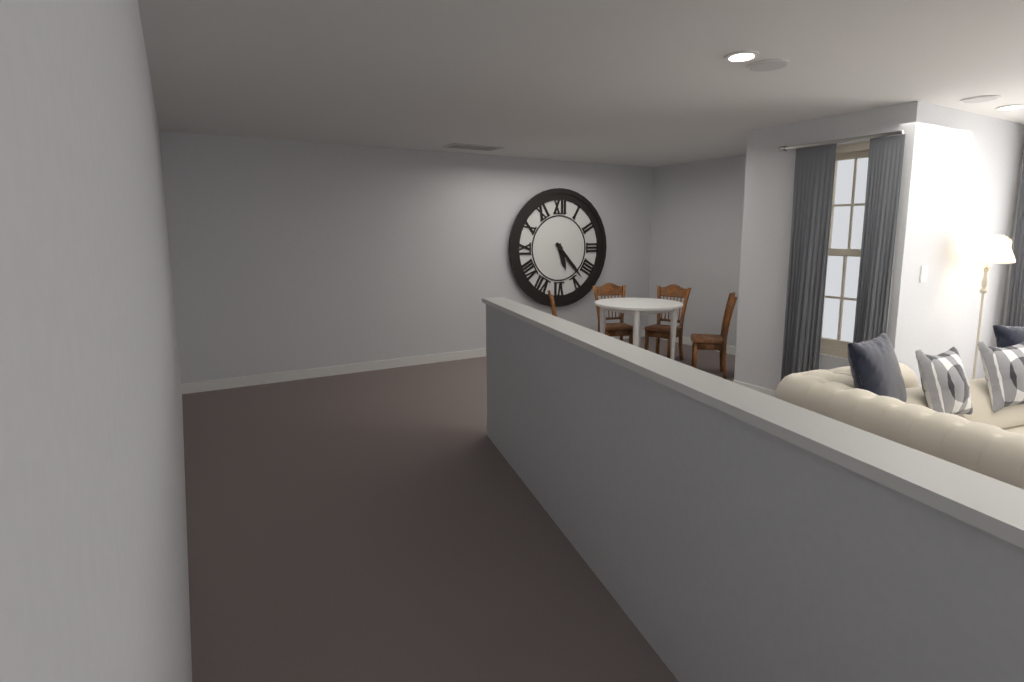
5:23
